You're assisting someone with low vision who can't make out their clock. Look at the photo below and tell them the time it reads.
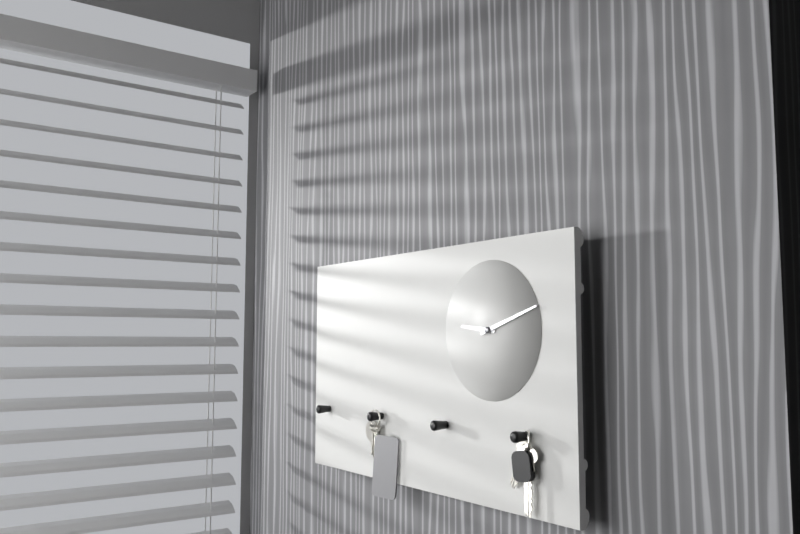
9:12
